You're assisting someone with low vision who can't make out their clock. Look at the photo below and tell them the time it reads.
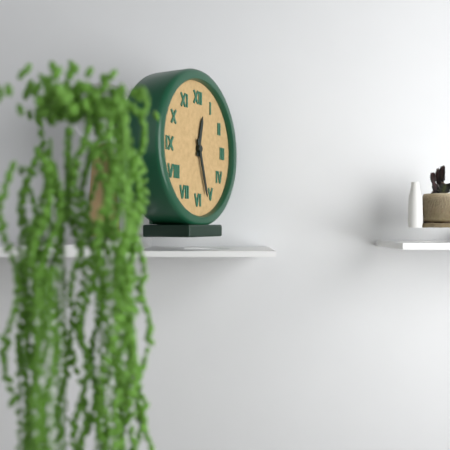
12:27
